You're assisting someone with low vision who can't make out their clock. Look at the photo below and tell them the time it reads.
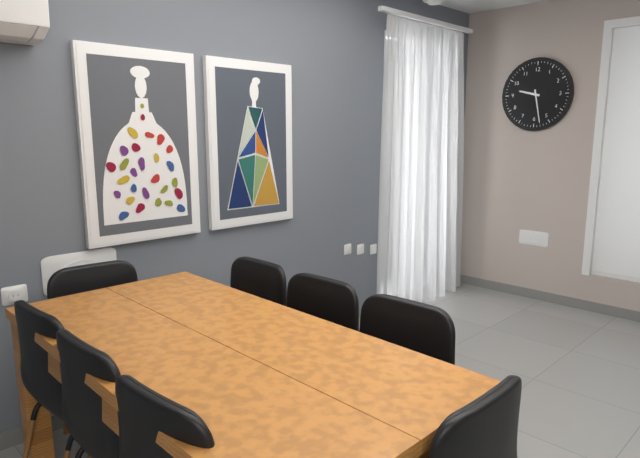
9:28
